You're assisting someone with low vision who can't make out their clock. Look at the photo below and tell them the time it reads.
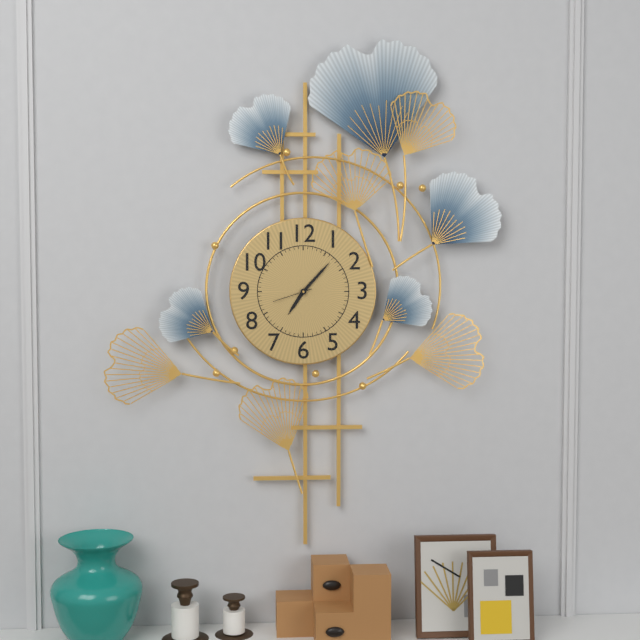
7:07
